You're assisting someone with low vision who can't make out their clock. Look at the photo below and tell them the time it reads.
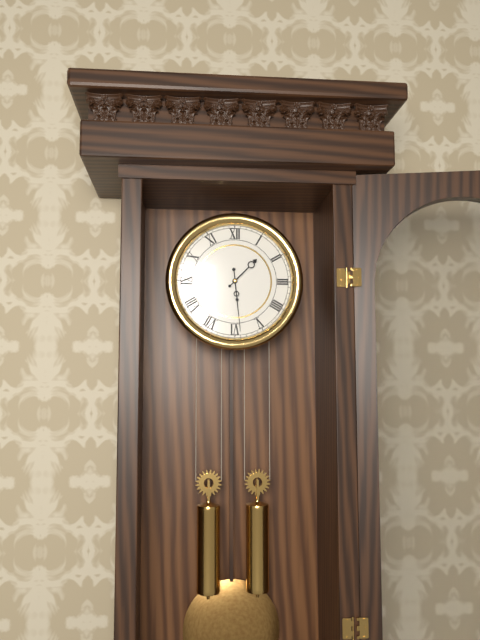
1:29
